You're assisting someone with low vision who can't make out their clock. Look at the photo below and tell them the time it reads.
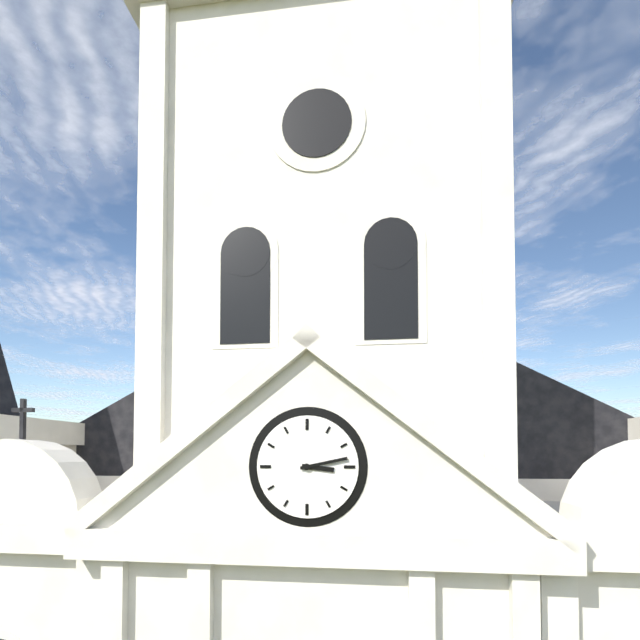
3:13
